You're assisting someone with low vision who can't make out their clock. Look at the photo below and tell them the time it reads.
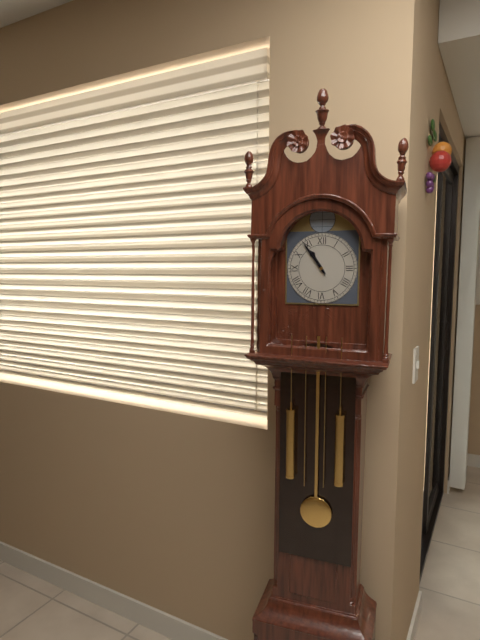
10:54
